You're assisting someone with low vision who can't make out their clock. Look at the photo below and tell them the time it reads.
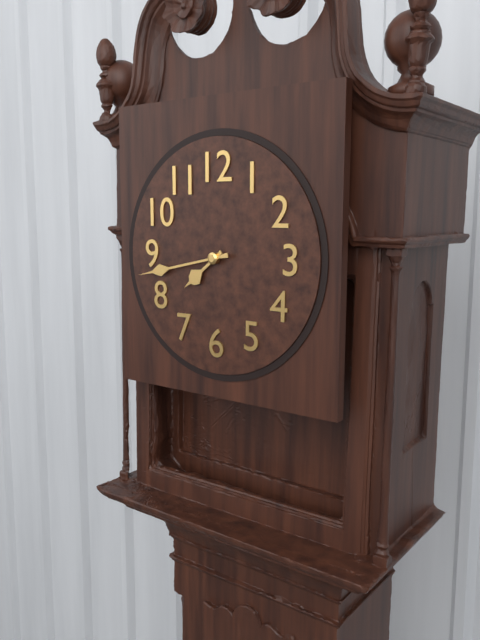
7:43
